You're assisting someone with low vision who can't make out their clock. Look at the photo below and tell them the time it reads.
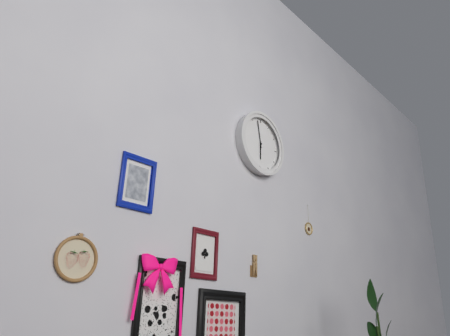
5:58
